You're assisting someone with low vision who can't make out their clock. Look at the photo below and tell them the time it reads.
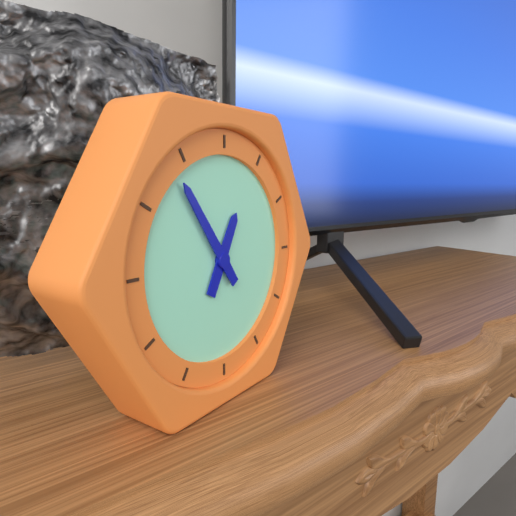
12:54
